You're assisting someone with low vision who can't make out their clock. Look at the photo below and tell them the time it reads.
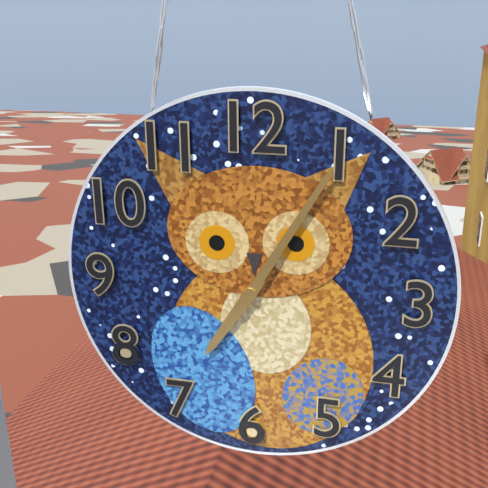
7:05
